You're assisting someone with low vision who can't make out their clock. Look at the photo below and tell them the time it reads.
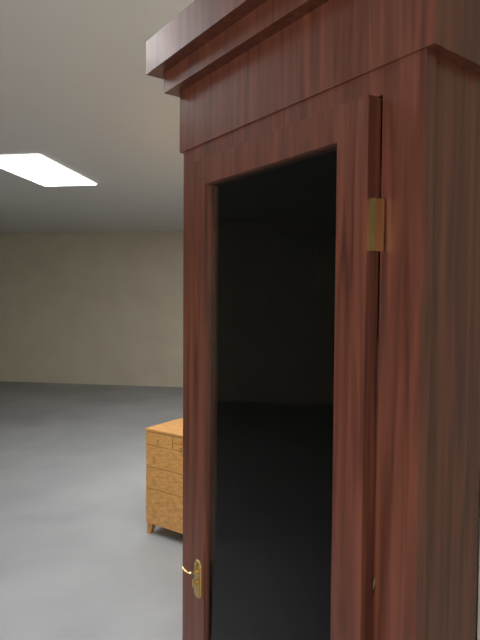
10:05
